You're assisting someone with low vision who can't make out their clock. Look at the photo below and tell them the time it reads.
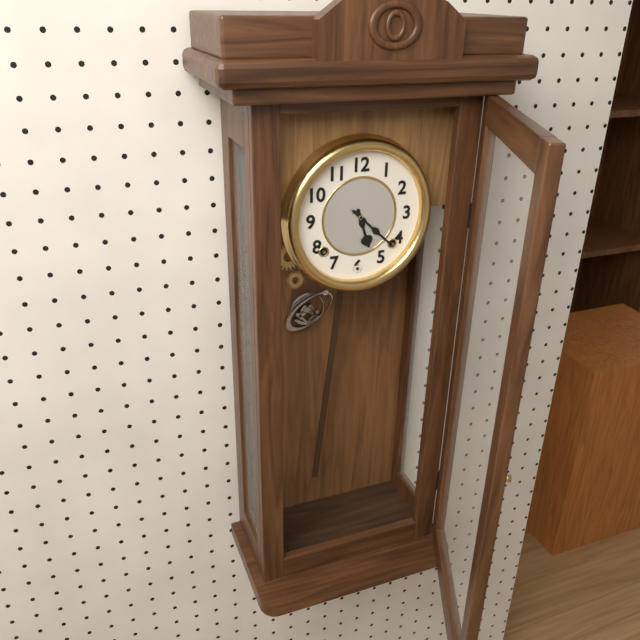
5:22
